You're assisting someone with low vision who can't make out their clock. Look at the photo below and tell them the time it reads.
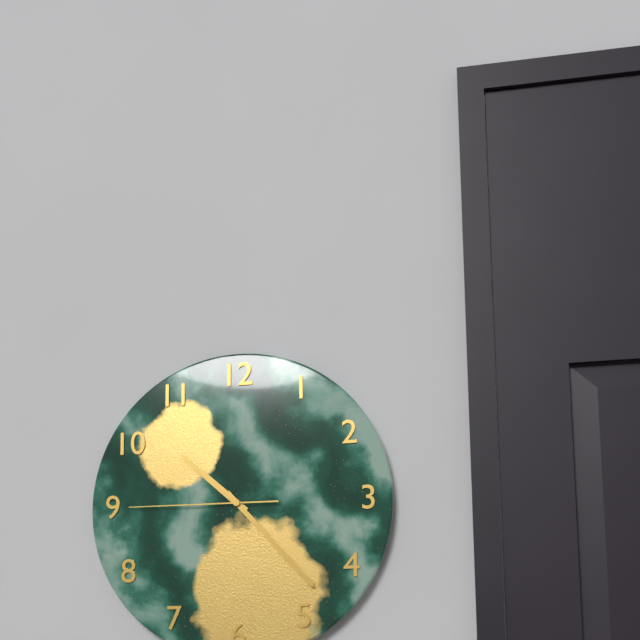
10:23:45
